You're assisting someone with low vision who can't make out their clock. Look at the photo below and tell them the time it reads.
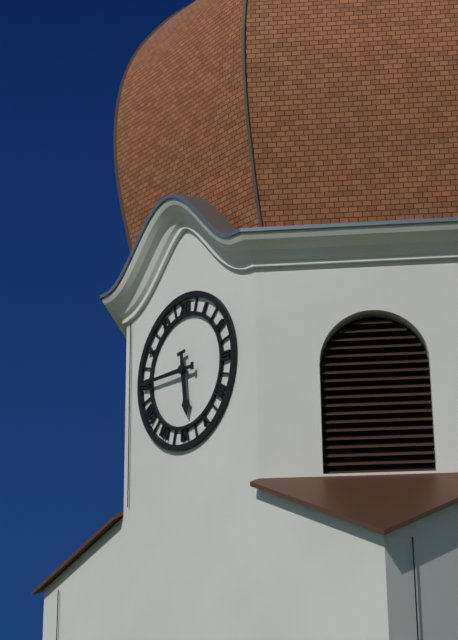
5:45
